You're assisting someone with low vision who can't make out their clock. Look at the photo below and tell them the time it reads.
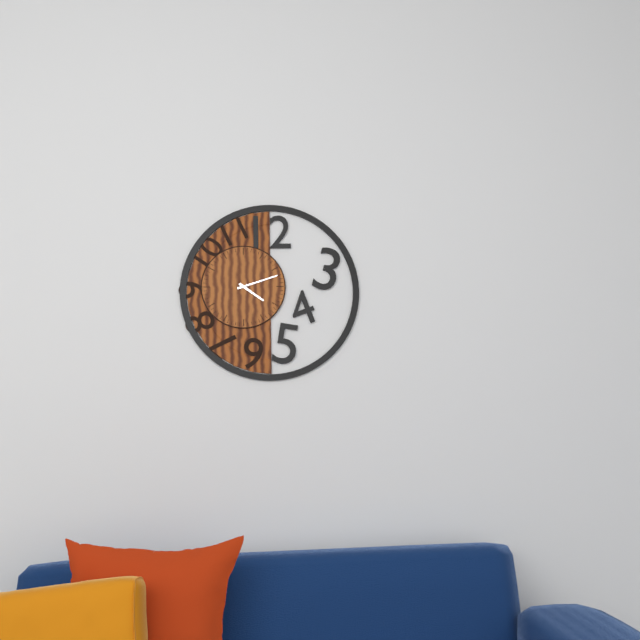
4:12
